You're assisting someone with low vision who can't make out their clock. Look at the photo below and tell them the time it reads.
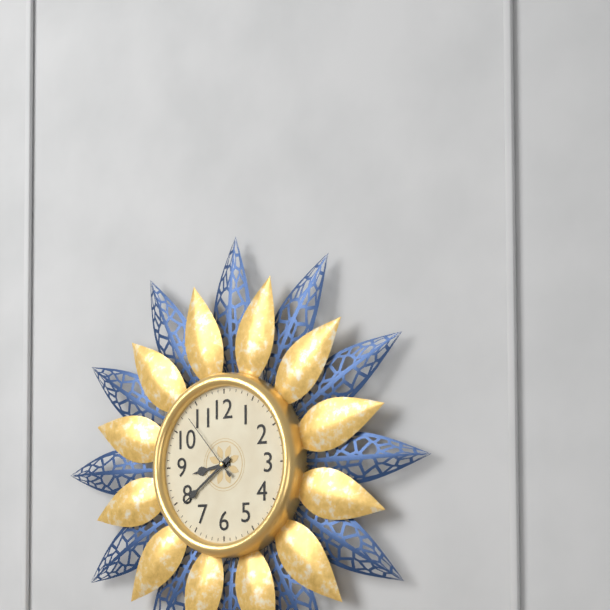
8:39:53
